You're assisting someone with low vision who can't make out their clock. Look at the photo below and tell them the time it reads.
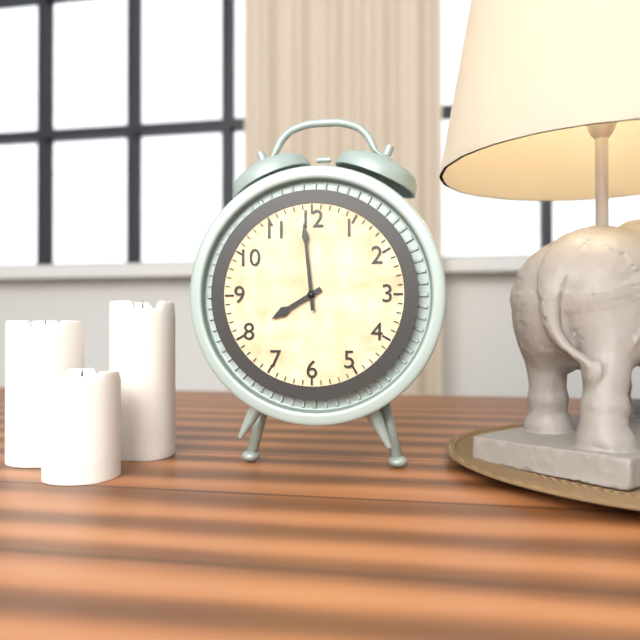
7:59
